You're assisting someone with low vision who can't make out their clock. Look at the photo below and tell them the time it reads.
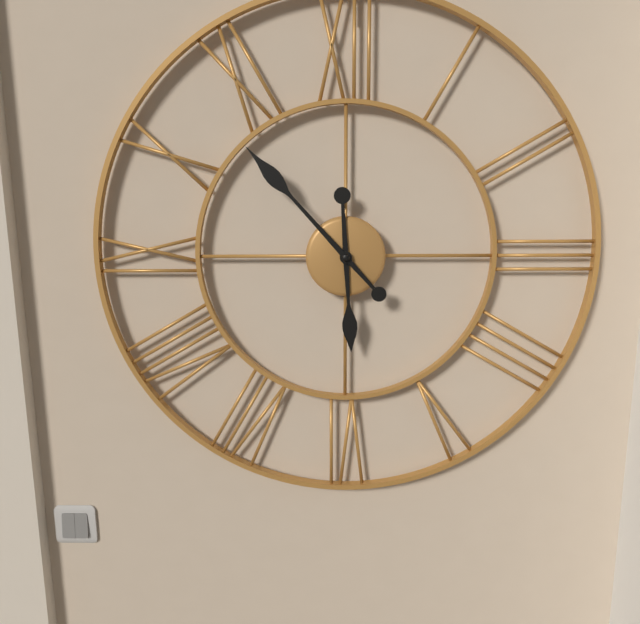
5:53
